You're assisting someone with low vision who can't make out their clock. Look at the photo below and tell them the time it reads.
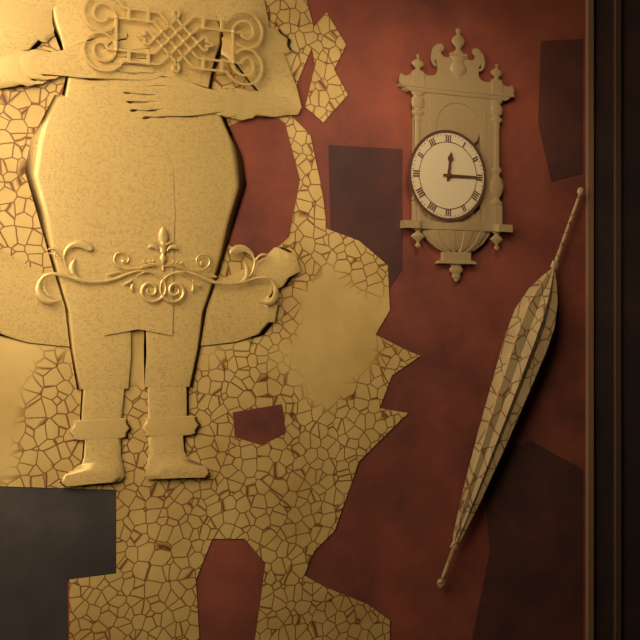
12:15
